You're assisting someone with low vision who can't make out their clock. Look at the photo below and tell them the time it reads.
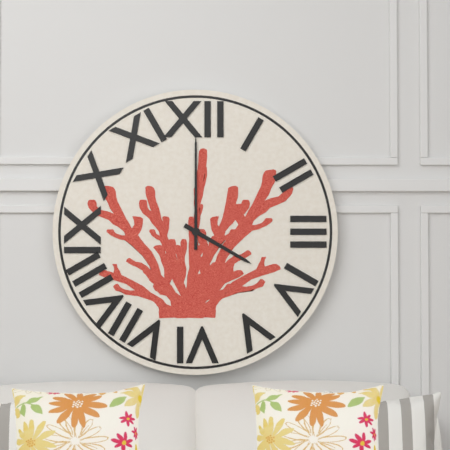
4:00
